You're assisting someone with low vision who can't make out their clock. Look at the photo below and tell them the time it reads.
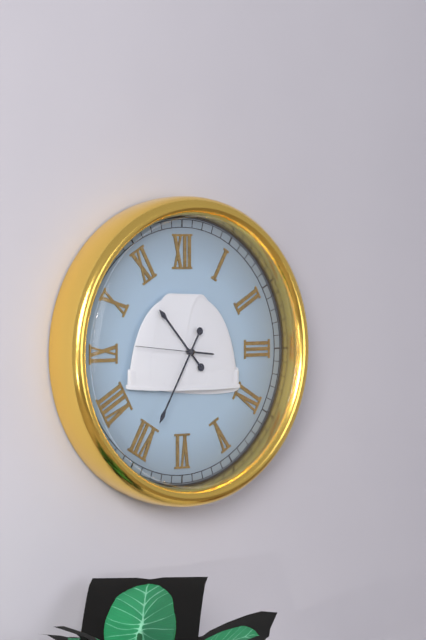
10:35:46
